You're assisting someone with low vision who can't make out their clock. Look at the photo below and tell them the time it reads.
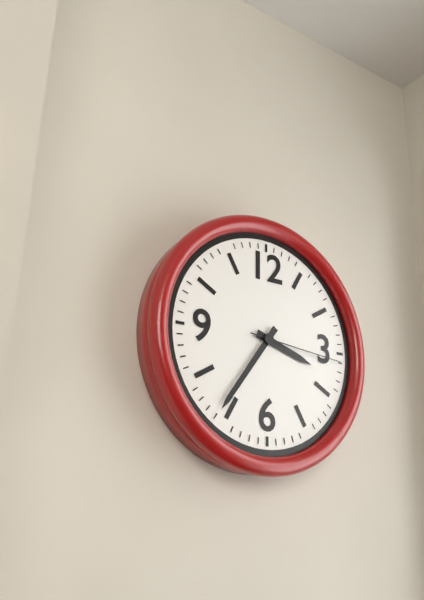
3:36:16
